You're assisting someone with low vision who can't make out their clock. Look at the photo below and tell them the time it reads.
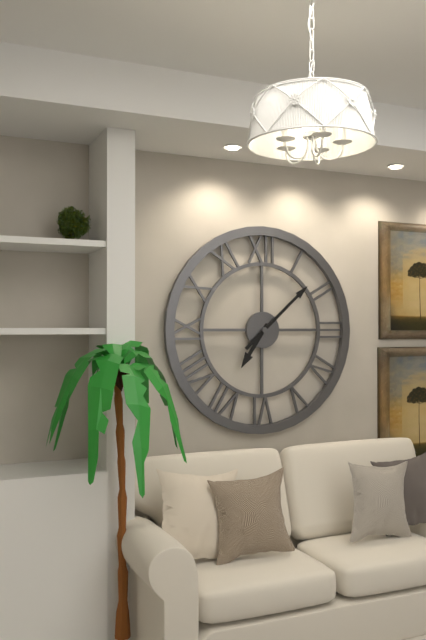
7:08
